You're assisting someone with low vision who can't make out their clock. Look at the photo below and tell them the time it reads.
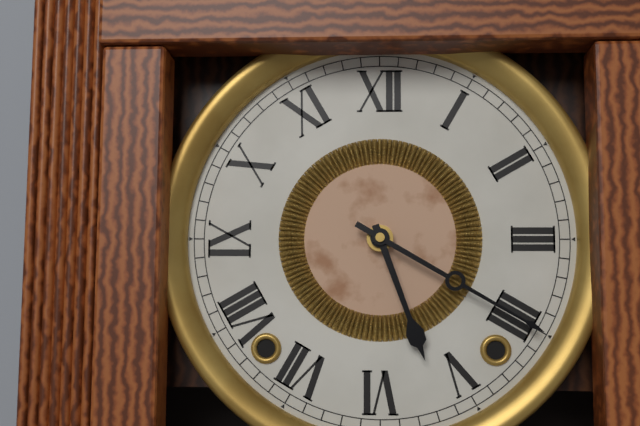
5:20
